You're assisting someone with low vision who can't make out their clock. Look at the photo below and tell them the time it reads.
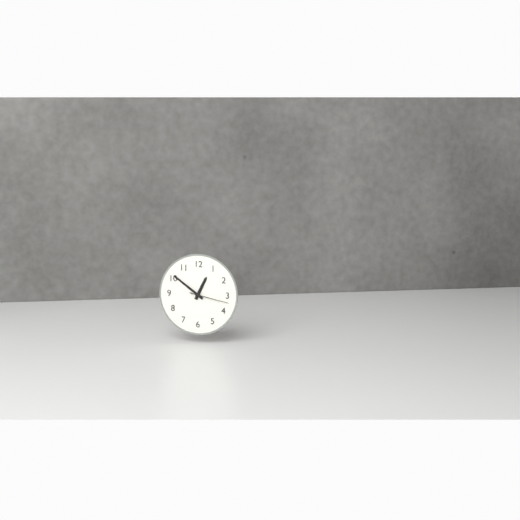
12:51
